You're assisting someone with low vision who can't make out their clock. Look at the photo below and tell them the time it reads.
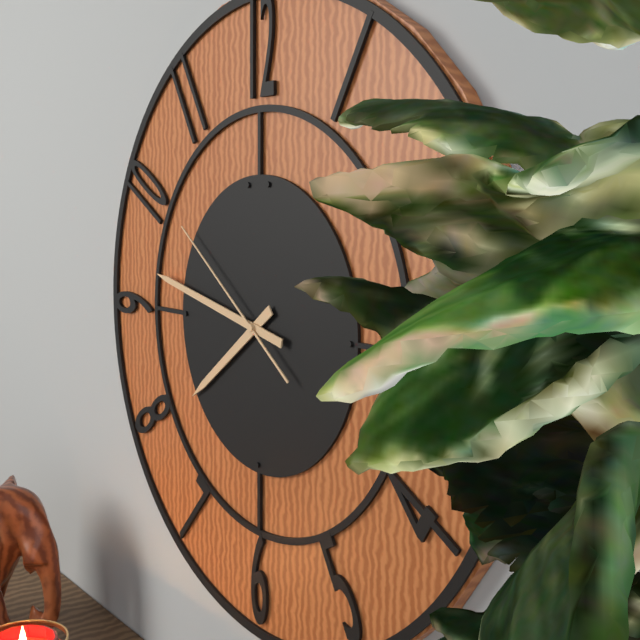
7:47:51
